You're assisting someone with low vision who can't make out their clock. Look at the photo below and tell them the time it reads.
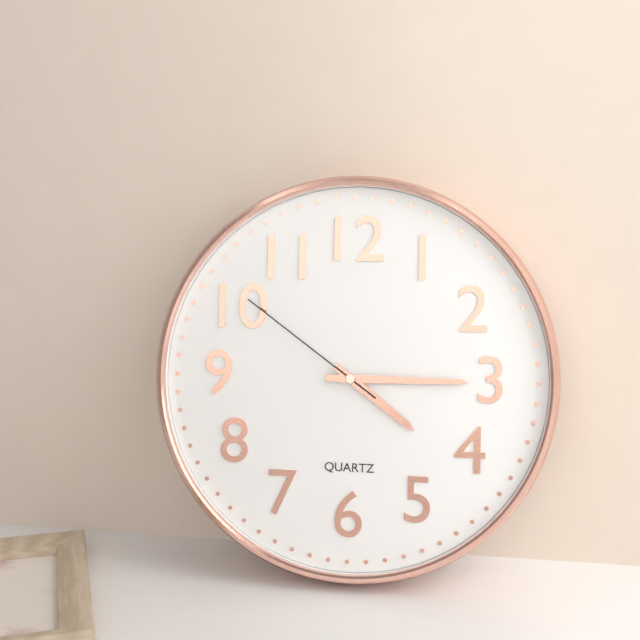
4:15:51
